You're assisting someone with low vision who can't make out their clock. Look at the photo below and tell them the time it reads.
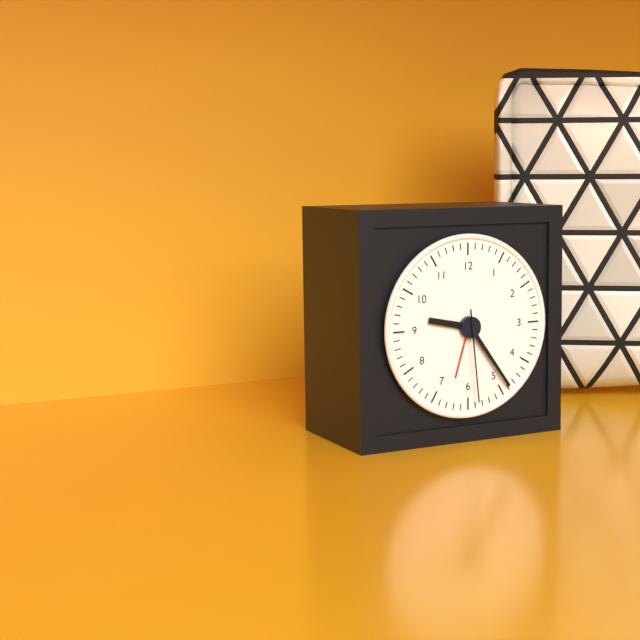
9:24:29
